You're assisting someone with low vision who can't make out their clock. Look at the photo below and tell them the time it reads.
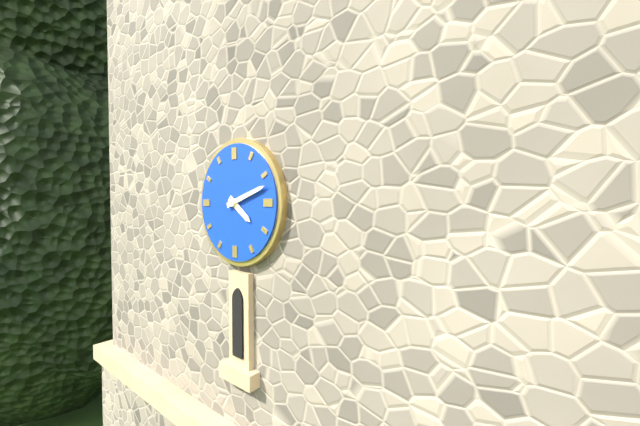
4:12
